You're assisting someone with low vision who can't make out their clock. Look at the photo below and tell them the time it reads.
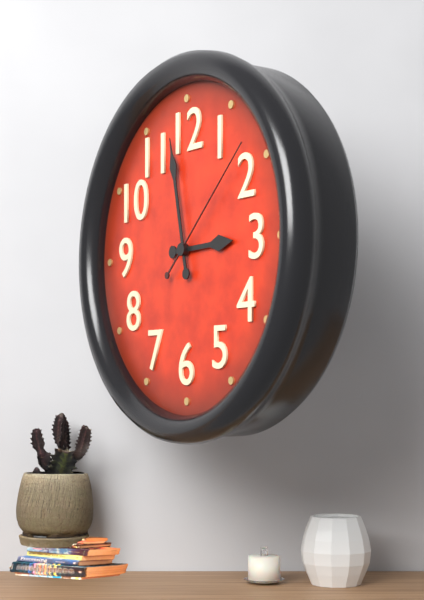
2:58:08
